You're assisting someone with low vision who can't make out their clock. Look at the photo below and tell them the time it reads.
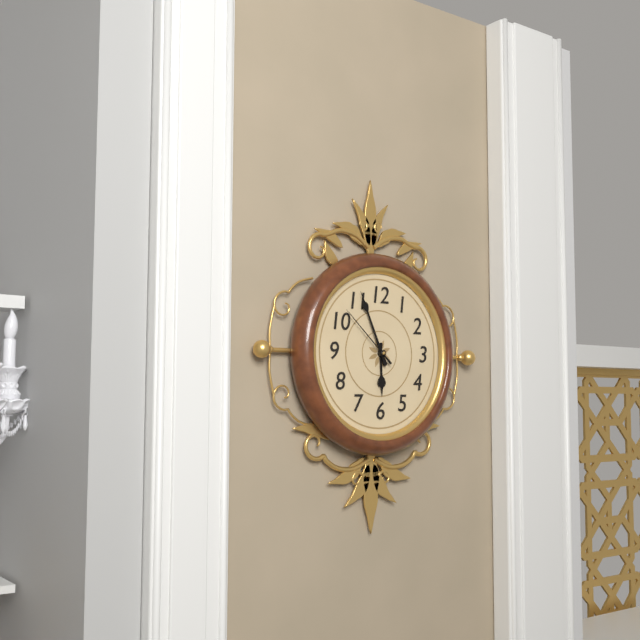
5:56:52
